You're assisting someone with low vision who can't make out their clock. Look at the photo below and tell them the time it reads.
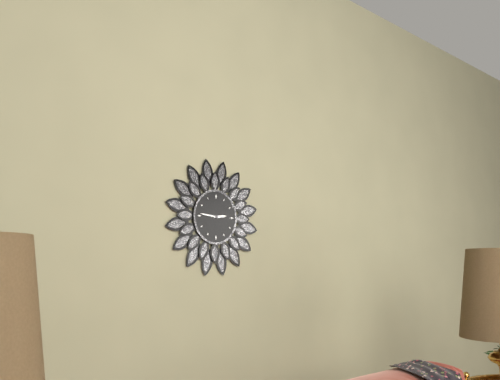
2:46
